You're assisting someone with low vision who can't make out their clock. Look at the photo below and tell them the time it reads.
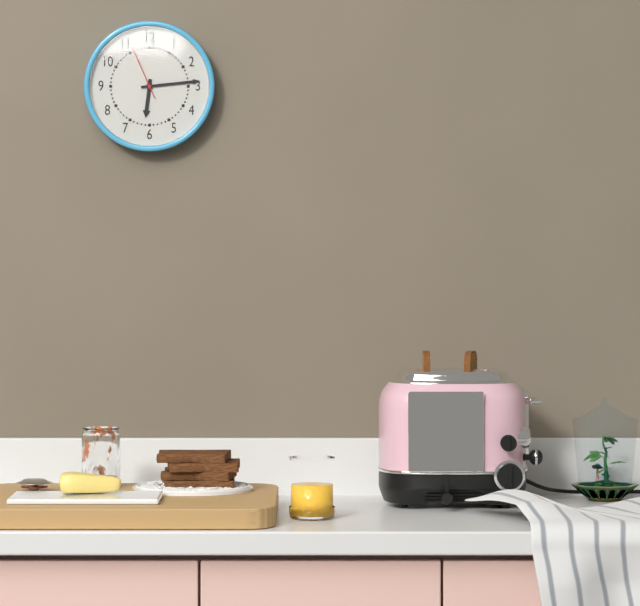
6:14:56
